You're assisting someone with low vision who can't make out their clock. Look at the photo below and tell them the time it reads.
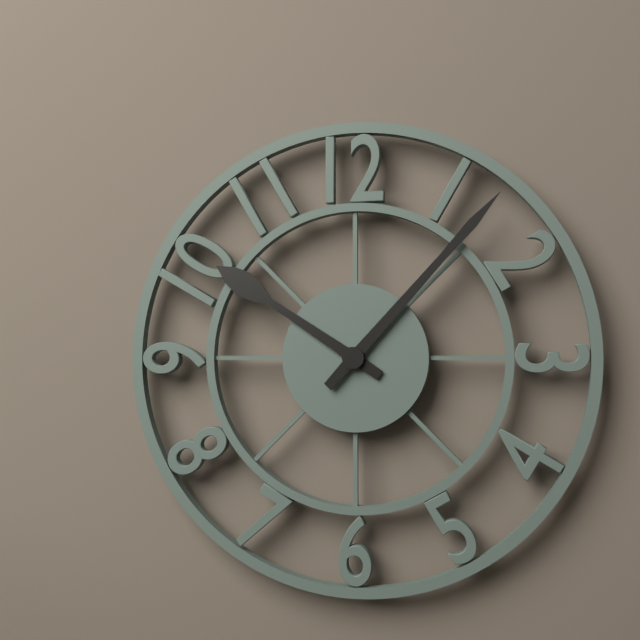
10:07
